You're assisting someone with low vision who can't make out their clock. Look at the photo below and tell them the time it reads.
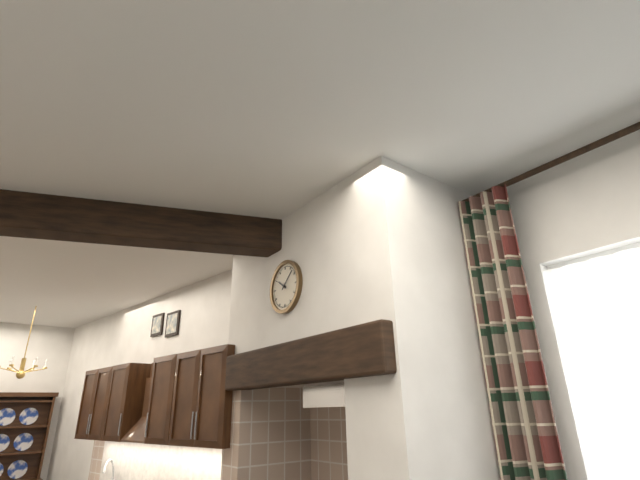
10:08
